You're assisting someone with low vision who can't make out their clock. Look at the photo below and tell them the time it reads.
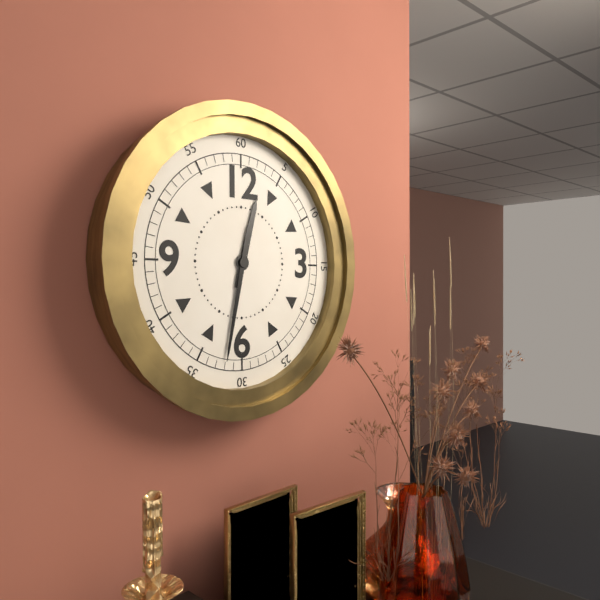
12:32
